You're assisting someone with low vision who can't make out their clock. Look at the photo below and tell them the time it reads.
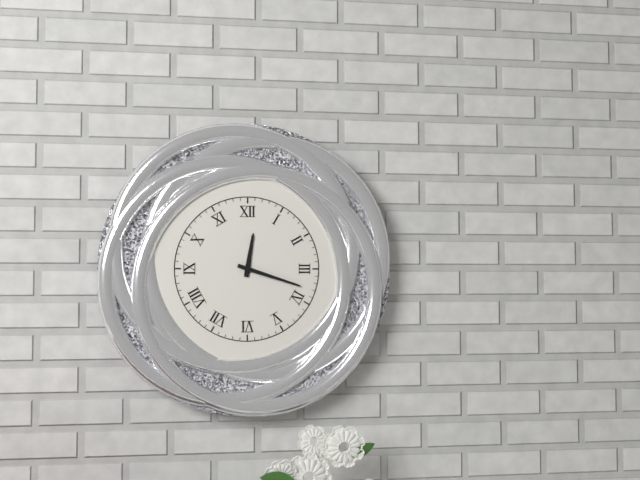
12:18
